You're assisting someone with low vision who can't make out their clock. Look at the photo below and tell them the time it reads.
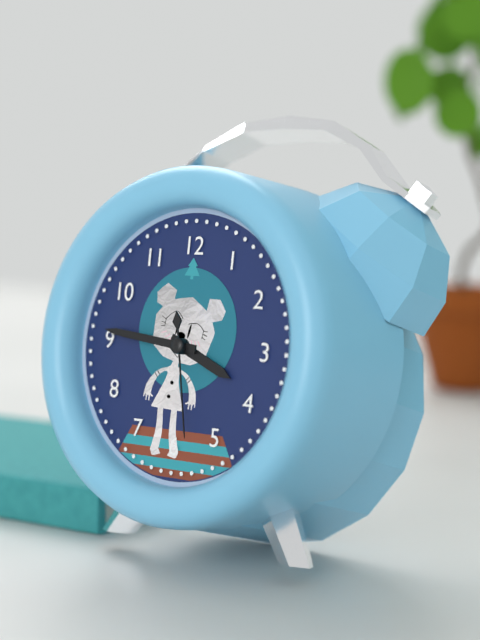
3:46:28
